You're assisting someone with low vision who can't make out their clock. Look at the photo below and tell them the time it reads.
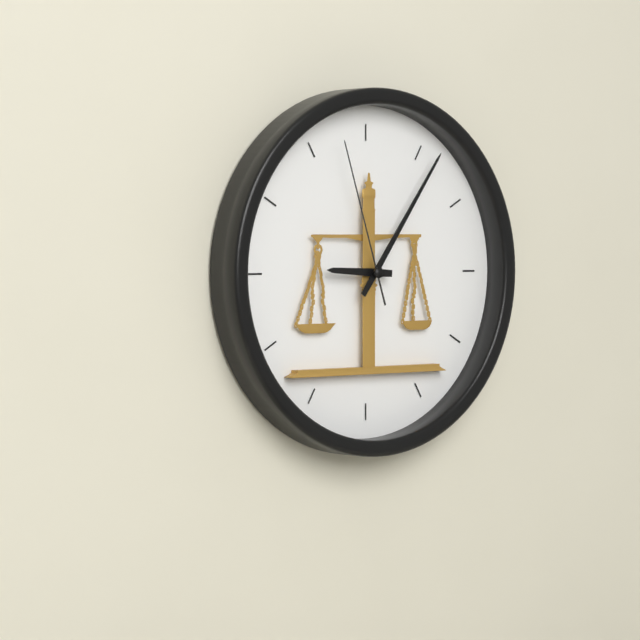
9:06:57
